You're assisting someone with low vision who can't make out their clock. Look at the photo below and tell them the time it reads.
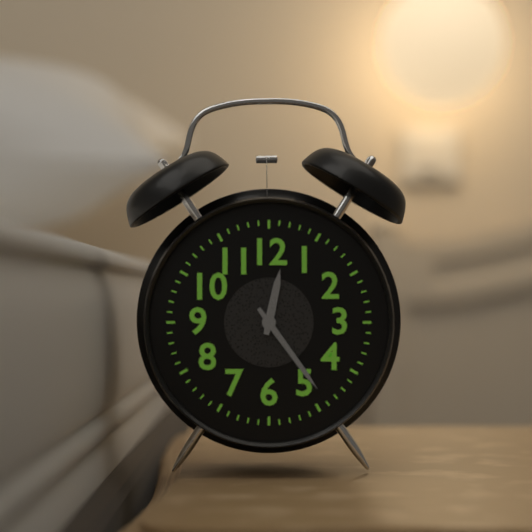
12:24
